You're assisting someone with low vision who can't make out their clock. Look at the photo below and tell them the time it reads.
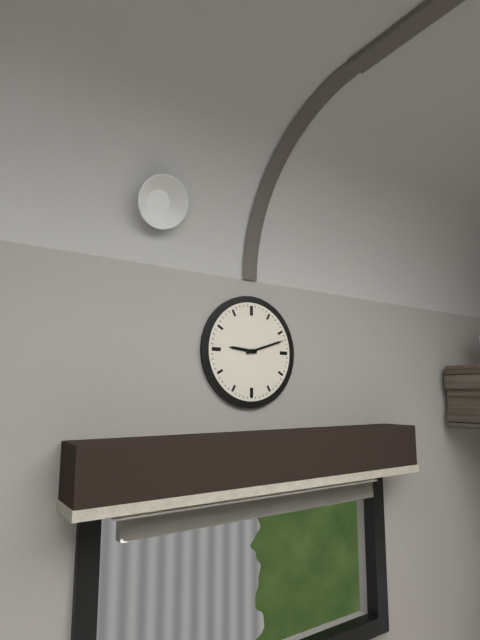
9:12
